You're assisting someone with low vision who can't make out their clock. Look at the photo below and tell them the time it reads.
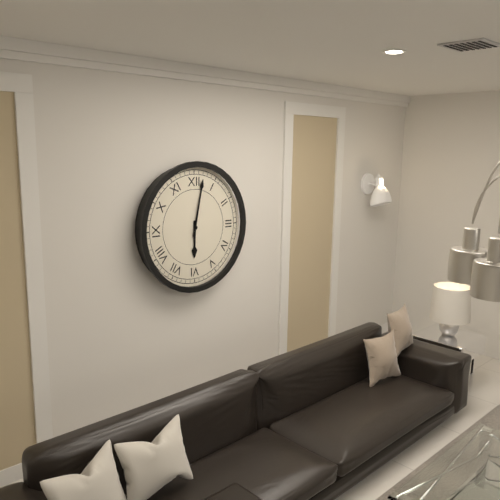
6:02
